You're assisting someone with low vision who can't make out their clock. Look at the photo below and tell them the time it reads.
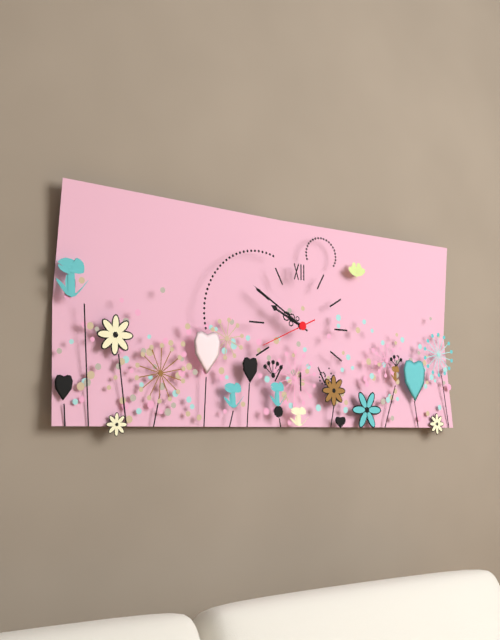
9:50:41
